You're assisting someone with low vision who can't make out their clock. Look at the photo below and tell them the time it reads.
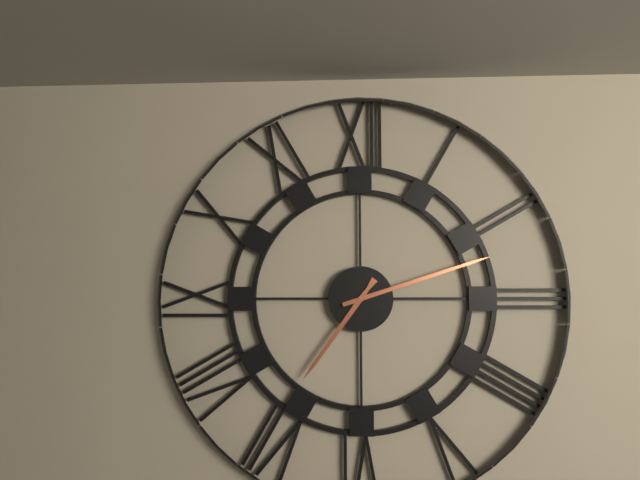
7:12
